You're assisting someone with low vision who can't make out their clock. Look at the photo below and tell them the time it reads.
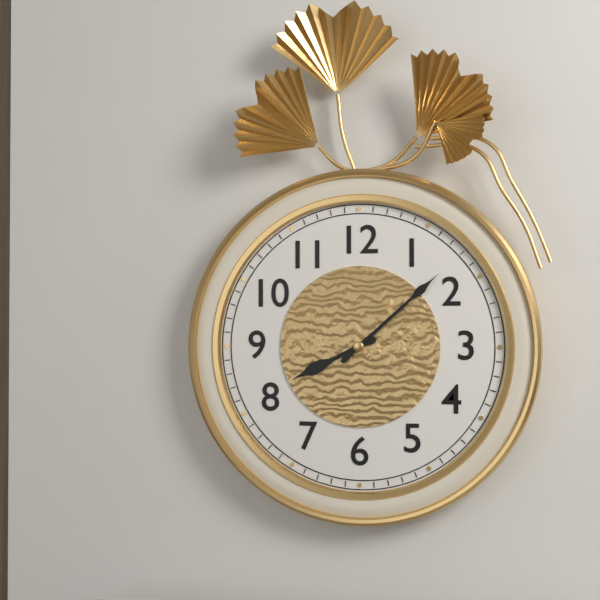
8:08
